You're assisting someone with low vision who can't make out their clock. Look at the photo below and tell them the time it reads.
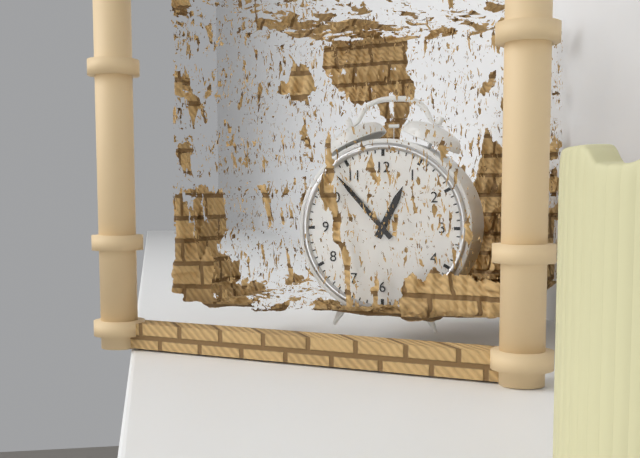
12:53
